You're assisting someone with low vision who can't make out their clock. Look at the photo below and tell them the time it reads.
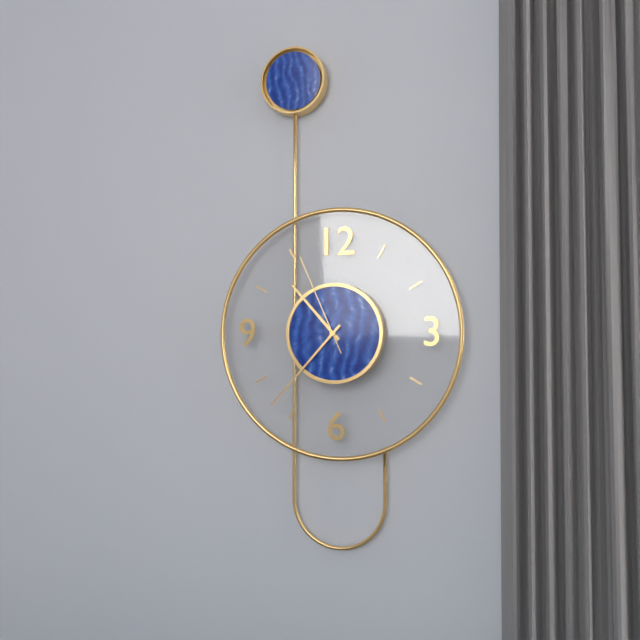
10:37:56
